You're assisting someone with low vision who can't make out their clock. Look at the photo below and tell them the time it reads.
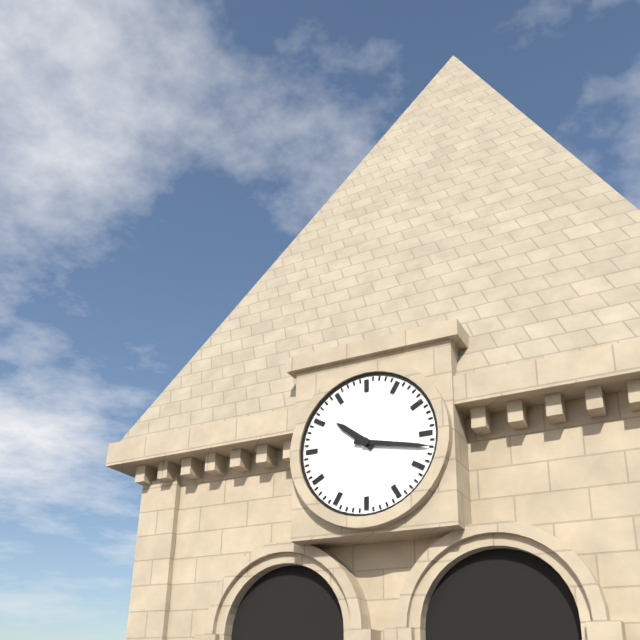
10:17
